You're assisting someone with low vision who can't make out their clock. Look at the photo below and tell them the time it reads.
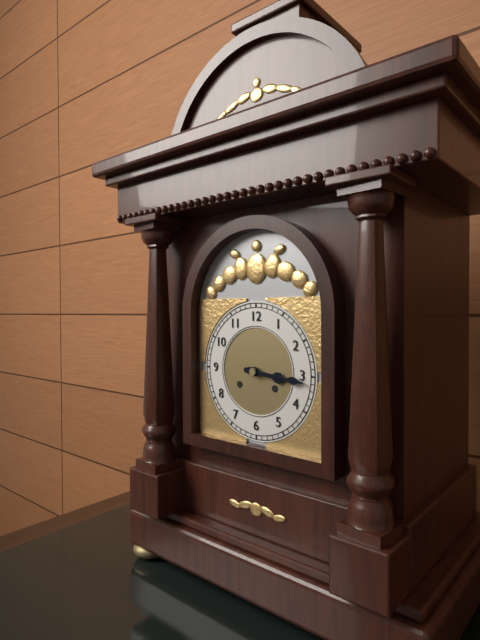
3:16
